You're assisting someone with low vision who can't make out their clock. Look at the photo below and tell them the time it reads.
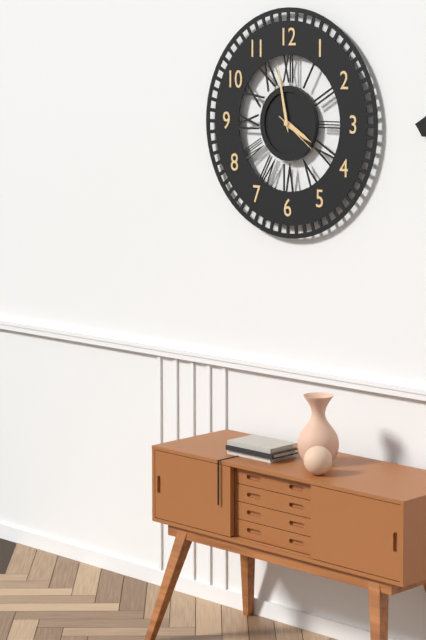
3:58
